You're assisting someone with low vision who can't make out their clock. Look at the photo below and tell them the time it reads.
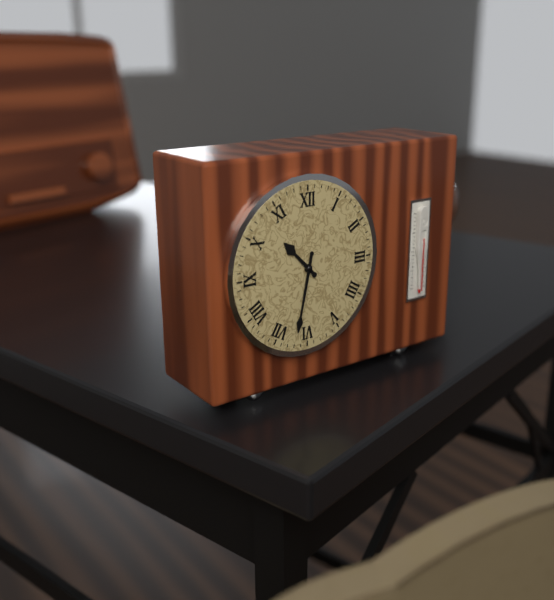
10:32
